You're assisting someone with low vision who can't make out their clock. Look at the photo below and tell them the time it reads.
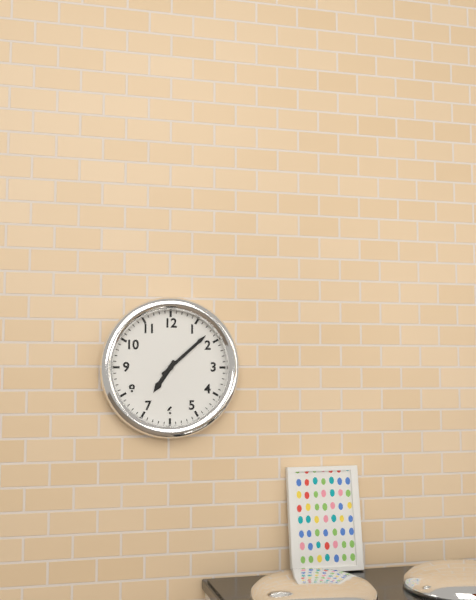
7:08
